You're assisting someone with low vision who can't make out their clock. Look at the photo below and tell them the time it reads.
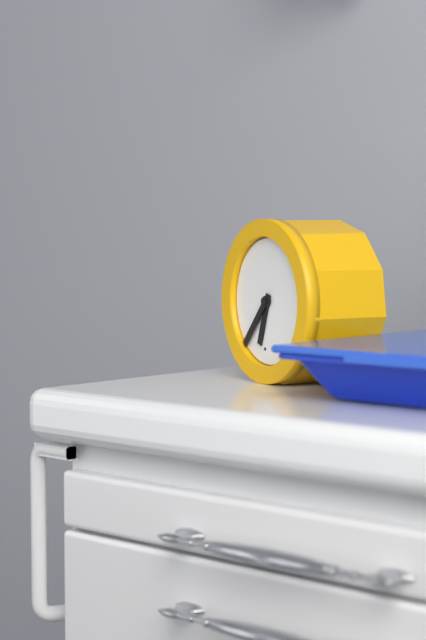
6:37
